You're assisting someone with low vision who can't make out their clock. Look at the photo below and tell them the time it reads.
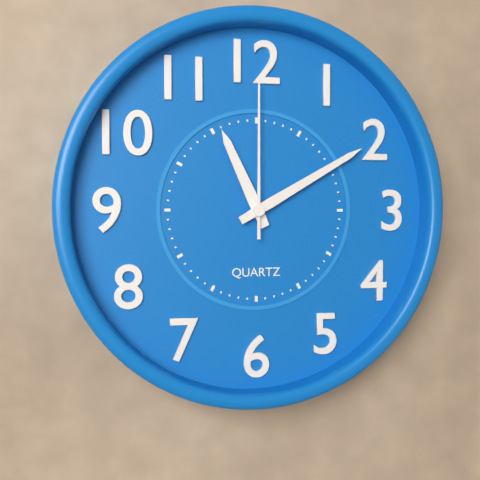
11:10:00
